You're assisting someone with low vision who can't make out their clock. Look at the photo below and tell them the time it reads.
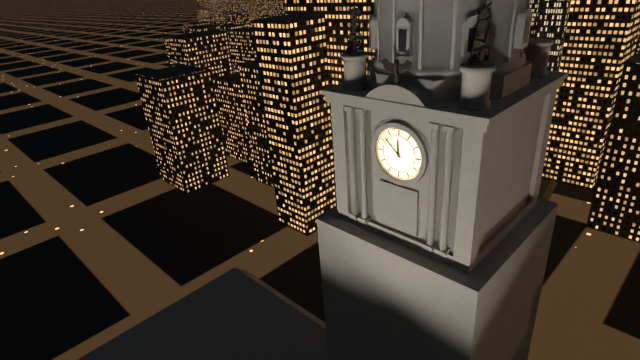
11:52
